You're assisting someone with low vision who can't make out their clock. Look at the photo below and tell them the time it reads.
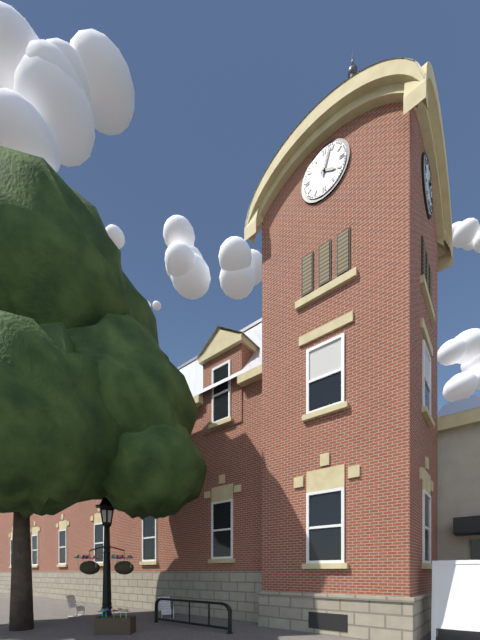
4:03
